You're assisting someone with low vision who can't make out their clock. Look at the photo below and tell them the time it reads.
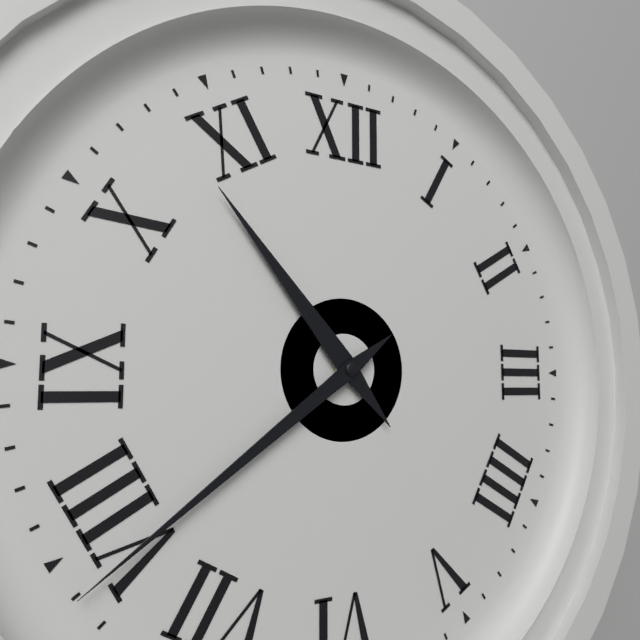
10:39
